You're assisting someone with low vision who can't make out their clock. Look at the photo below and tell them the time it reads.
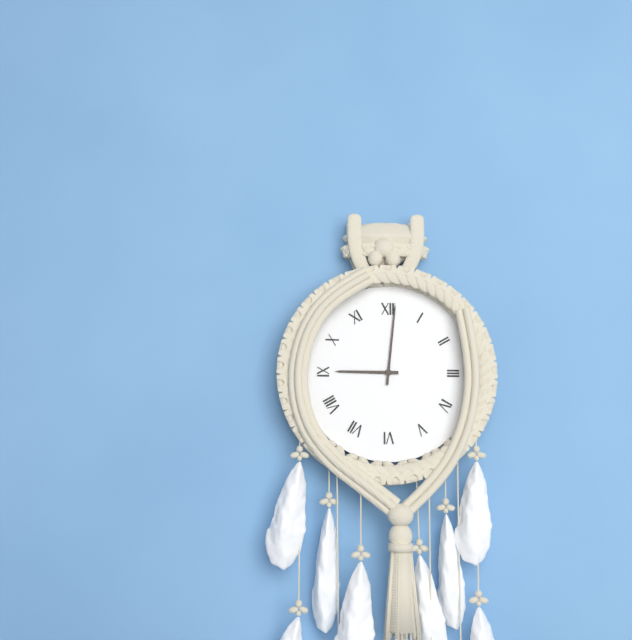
9:01
